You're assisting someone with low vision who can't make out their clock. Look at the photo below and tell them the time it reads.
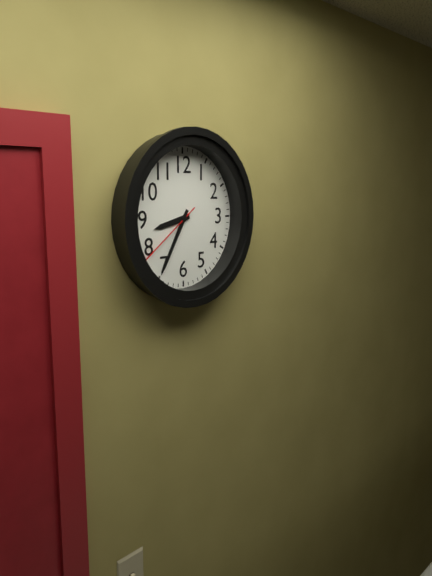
8:35:39
